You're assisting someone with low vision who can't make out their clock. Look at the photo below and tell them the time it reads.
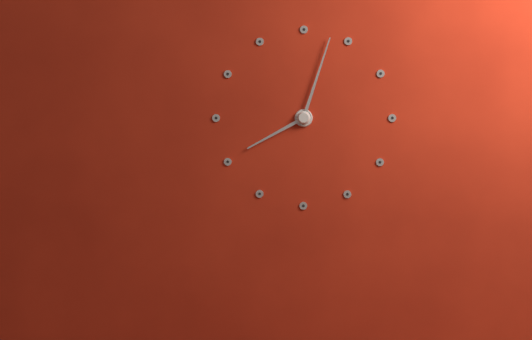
8:03
